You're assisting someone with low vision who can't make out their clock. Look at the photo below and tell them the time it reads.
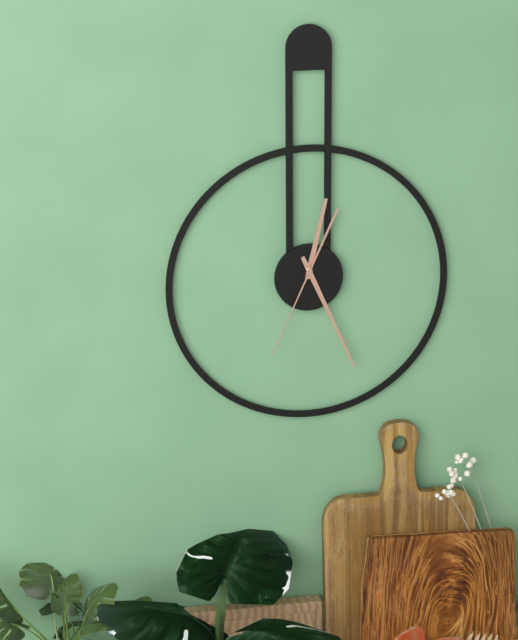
12:26:34
